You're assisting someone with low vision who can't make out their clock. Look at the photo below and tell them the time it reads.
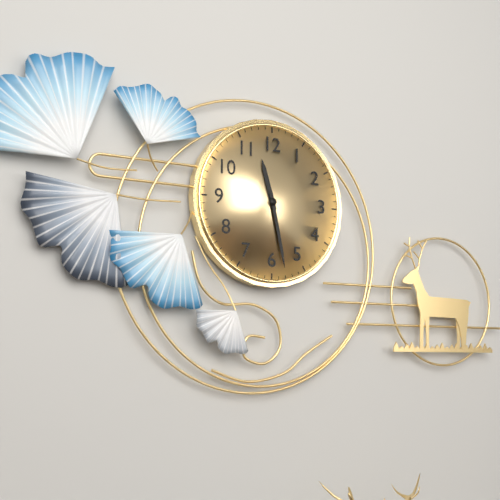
11:28
